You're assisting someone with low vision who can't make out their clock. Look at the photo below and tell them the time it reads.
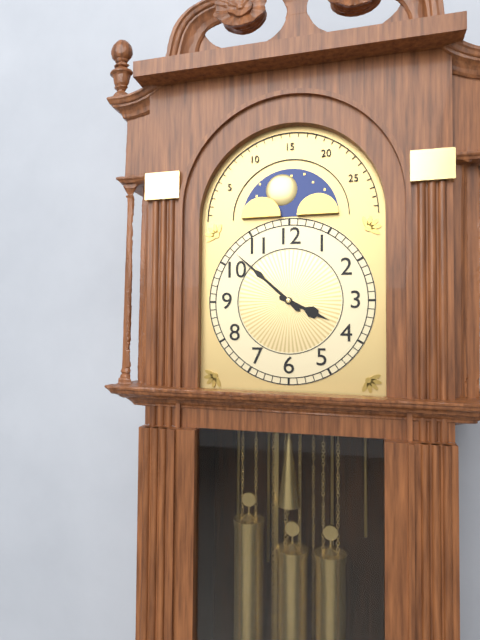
3:52
